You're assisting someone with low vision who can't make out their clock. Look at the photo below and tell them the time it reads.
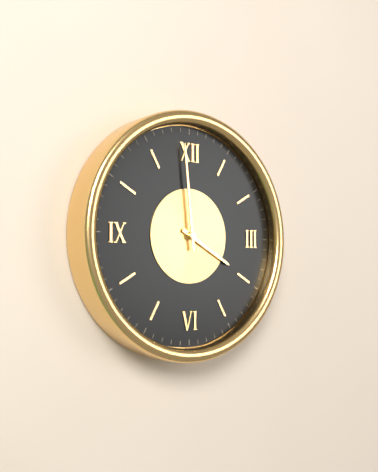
3:59
